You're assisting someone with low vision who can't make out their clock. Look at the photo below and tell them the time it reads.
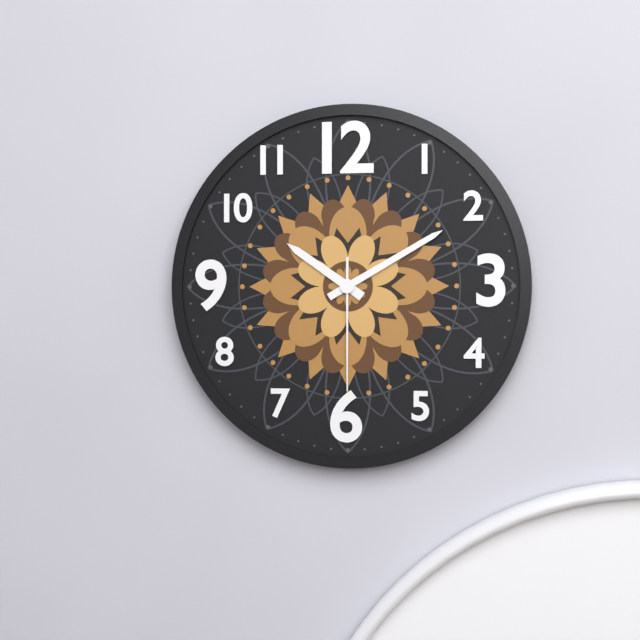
10:10:30
